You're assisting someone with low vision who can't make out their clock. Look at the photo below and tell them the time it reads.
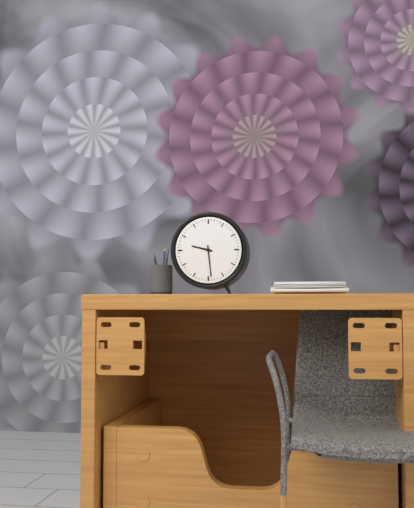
9:29
